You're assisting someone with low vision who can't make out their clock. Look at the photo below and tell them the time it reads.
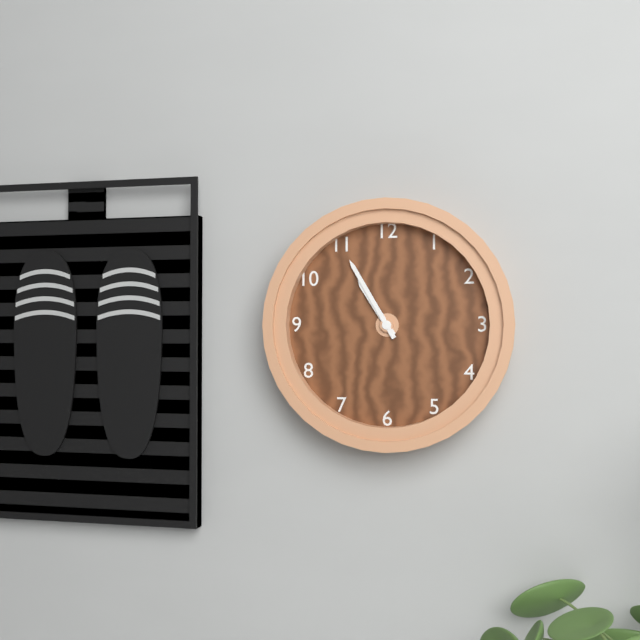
10:55
